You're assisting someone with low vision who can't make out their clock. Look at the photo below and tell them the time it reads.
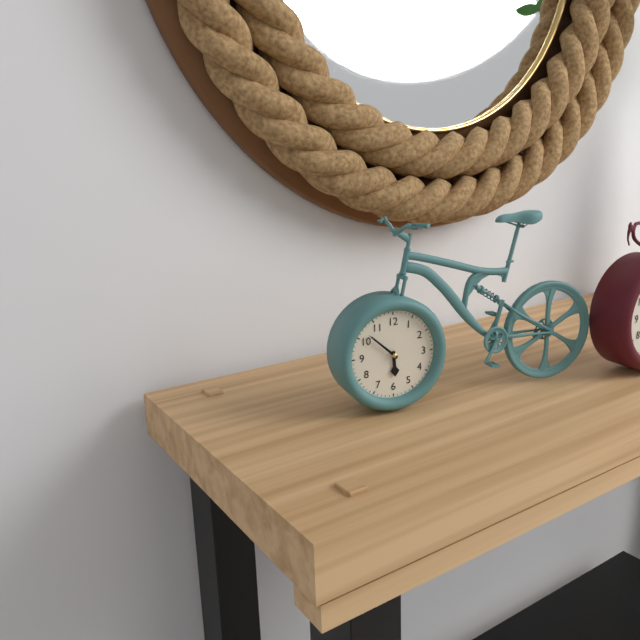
5:52
